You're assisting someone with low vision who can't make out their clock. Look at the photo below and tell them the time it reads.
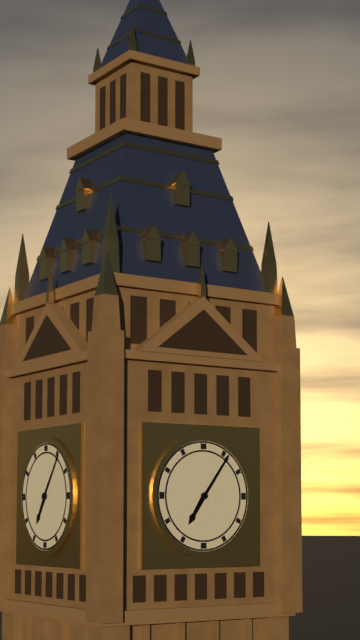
7:06
